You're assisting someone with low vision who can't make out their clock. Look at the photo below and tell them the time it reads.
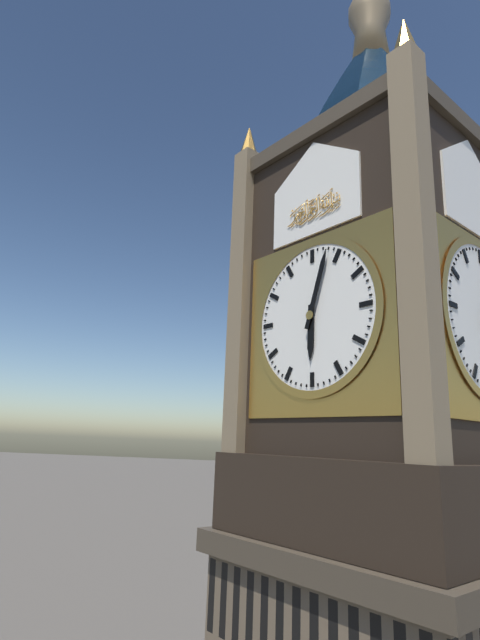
6:03
